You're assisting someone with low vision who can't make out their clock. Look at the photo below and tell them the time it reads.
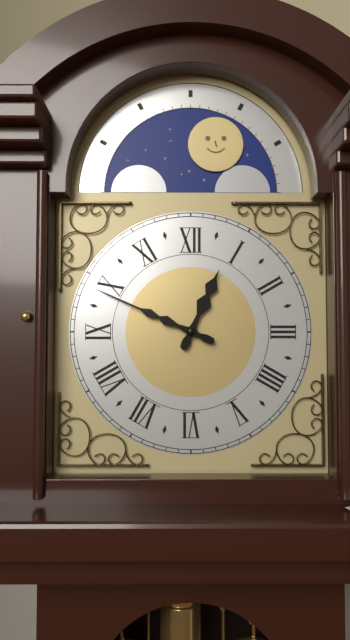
12:49
